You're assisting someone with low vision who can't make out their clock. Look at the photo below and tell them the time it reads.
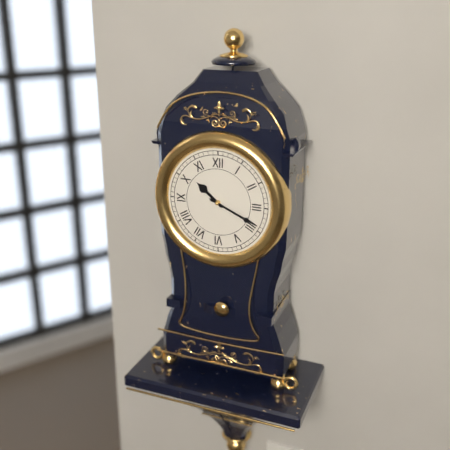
10:19
